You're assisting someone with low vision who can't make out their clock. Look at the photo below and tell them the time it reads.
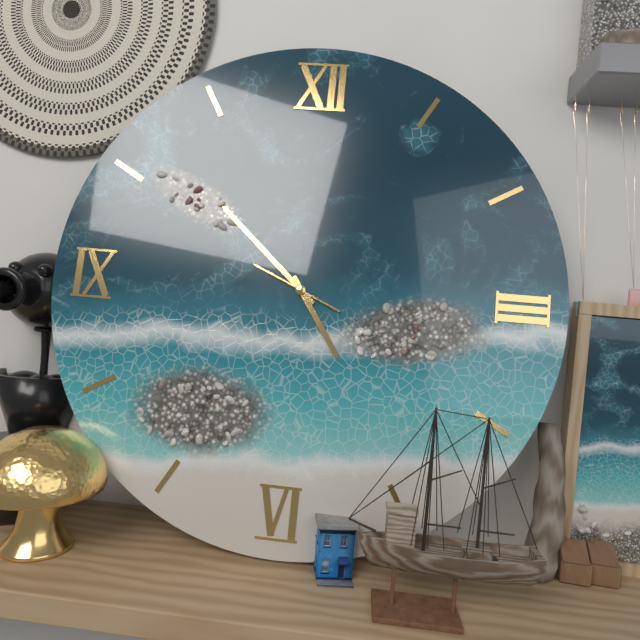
4:52:49
